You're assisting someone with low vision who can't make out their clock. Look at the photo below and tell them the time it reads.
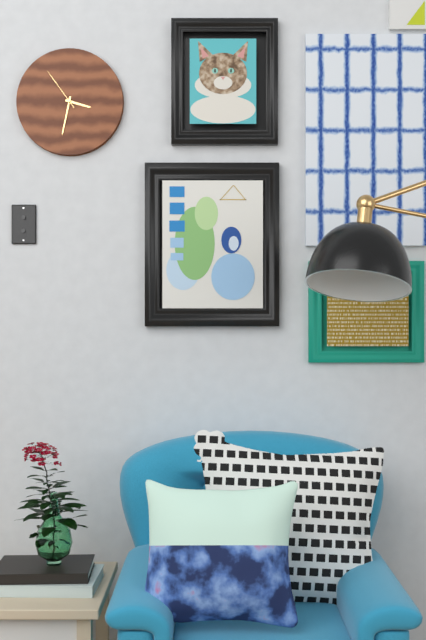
3:32
